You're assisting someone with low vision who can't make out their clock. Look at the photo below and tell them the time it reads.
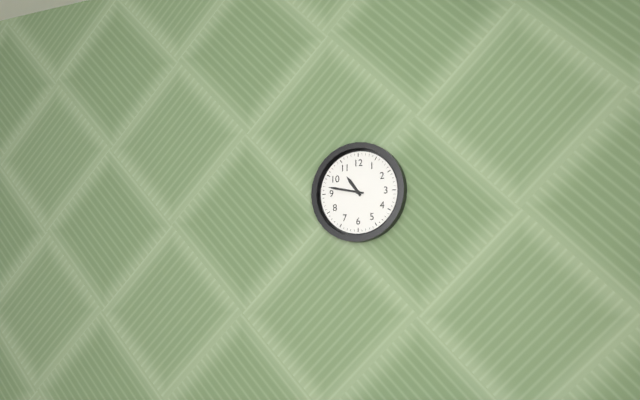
10:47
